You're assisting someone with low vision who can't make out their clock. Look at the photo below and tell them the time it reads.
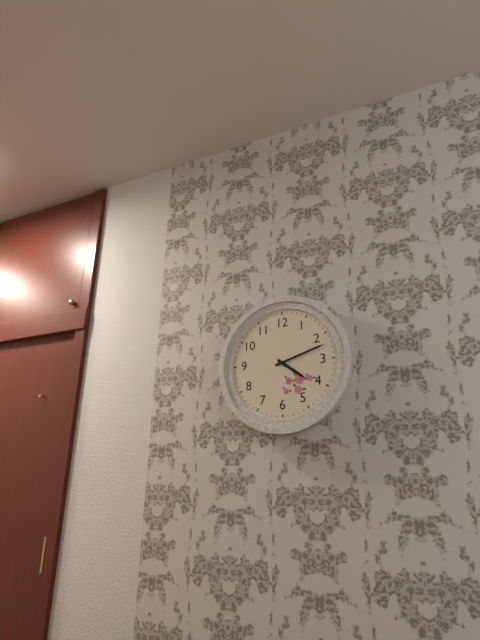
4:12
